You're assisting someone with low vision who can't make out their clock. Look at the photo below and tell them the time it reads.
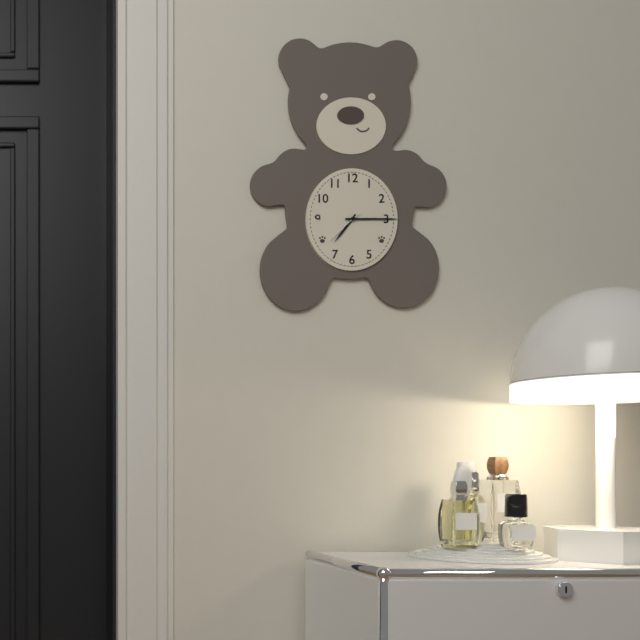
7:15
